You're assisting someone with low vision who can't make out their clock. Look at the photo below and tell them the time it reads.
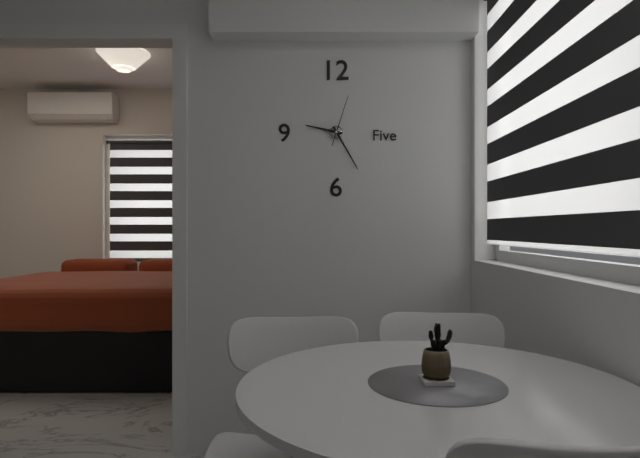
9:25:03
